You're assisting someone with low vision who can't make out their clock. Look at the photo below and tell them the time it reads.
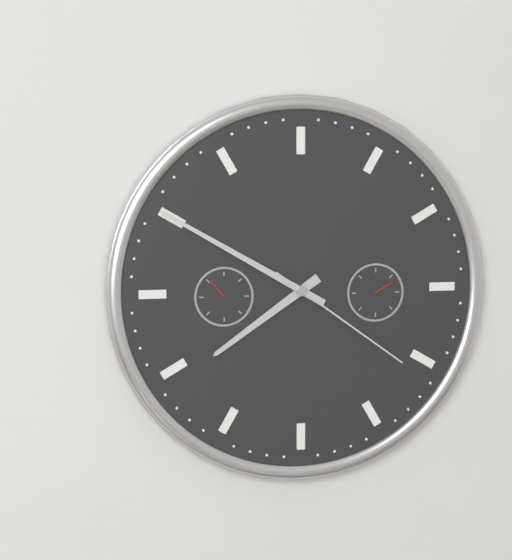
7:50:21
